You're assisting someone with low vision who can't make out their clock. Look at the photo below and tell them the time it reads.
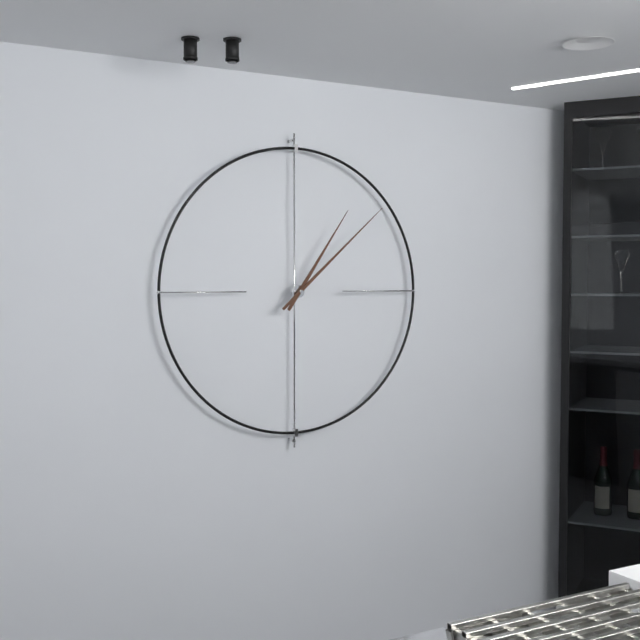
1:08
